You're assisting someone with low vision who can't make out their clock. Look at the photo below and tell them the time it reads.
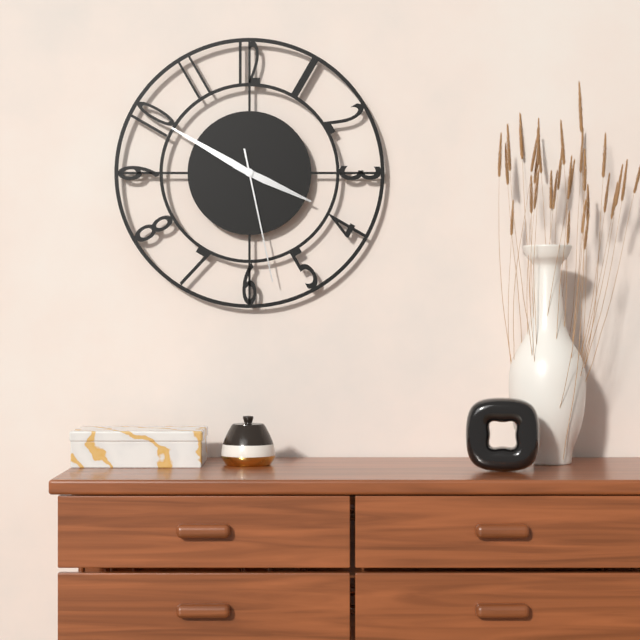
3:50:28
